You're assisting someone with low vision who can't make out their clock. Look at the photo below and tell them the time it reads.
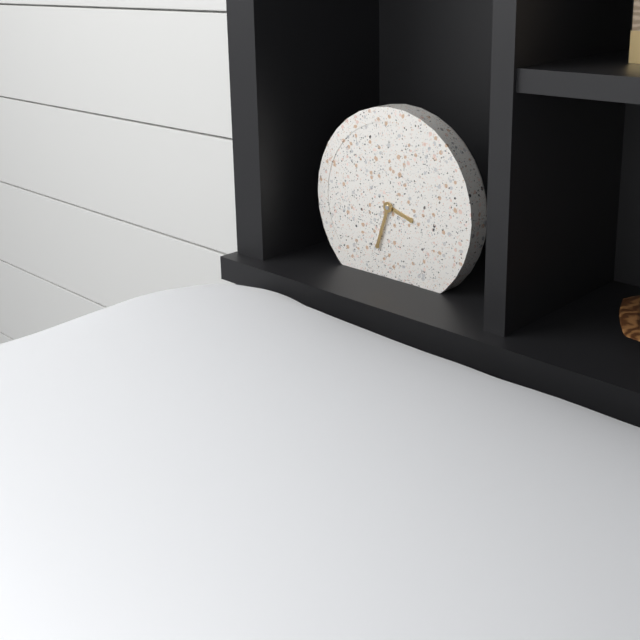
3:33
